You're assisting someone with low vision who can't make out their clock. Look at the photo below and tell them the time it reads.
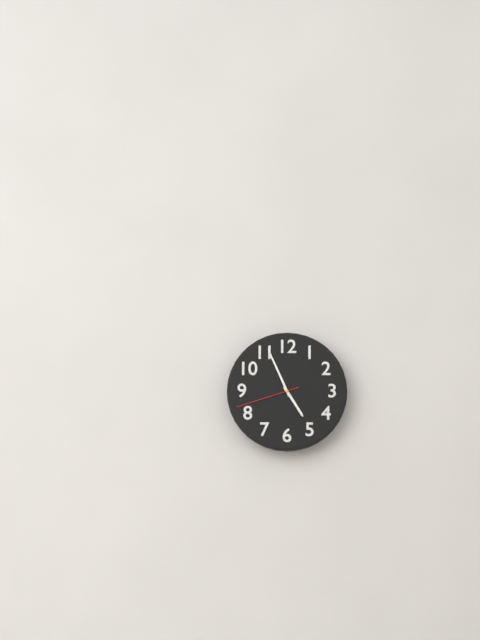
4:56:42
